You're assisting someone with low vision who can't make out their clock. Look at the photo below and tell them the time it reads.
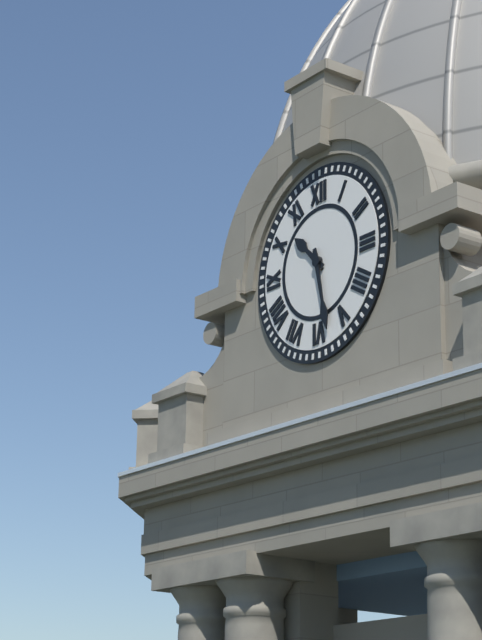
10:28
